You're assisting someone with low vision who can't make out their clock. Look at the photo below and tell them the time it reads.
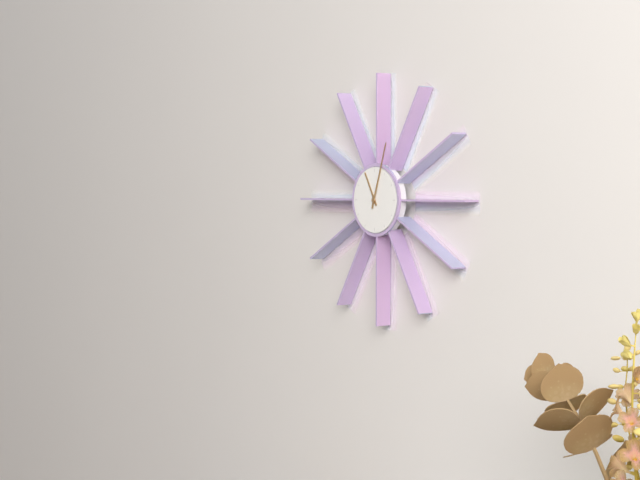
11:03
